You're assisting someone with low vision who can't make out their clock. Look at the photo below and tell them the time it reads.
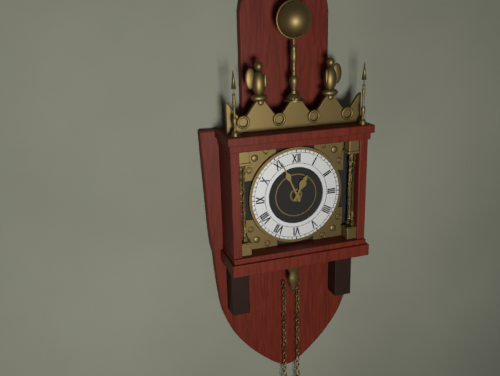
12:56
